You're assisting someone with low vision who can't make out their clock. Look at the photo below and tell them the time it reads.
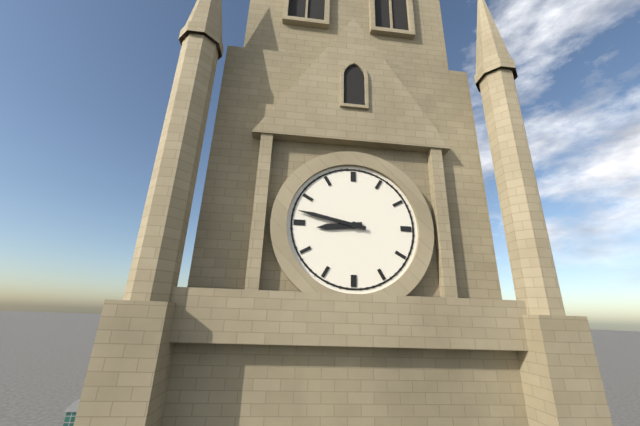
8:47
